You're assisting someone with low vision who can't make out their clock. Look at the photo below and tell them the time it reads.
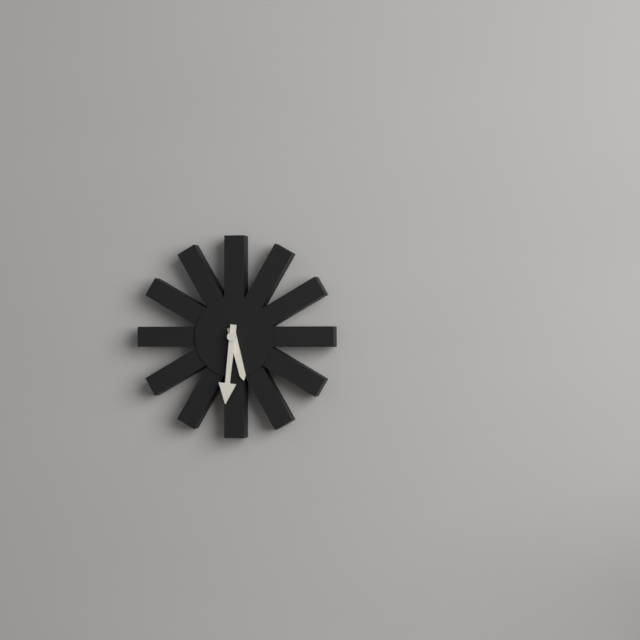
5:31
